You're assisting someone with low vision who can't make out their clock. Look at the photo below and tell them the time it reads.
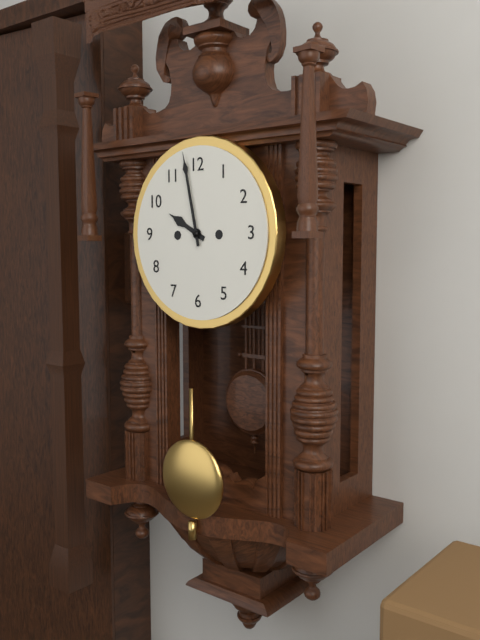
9:58
